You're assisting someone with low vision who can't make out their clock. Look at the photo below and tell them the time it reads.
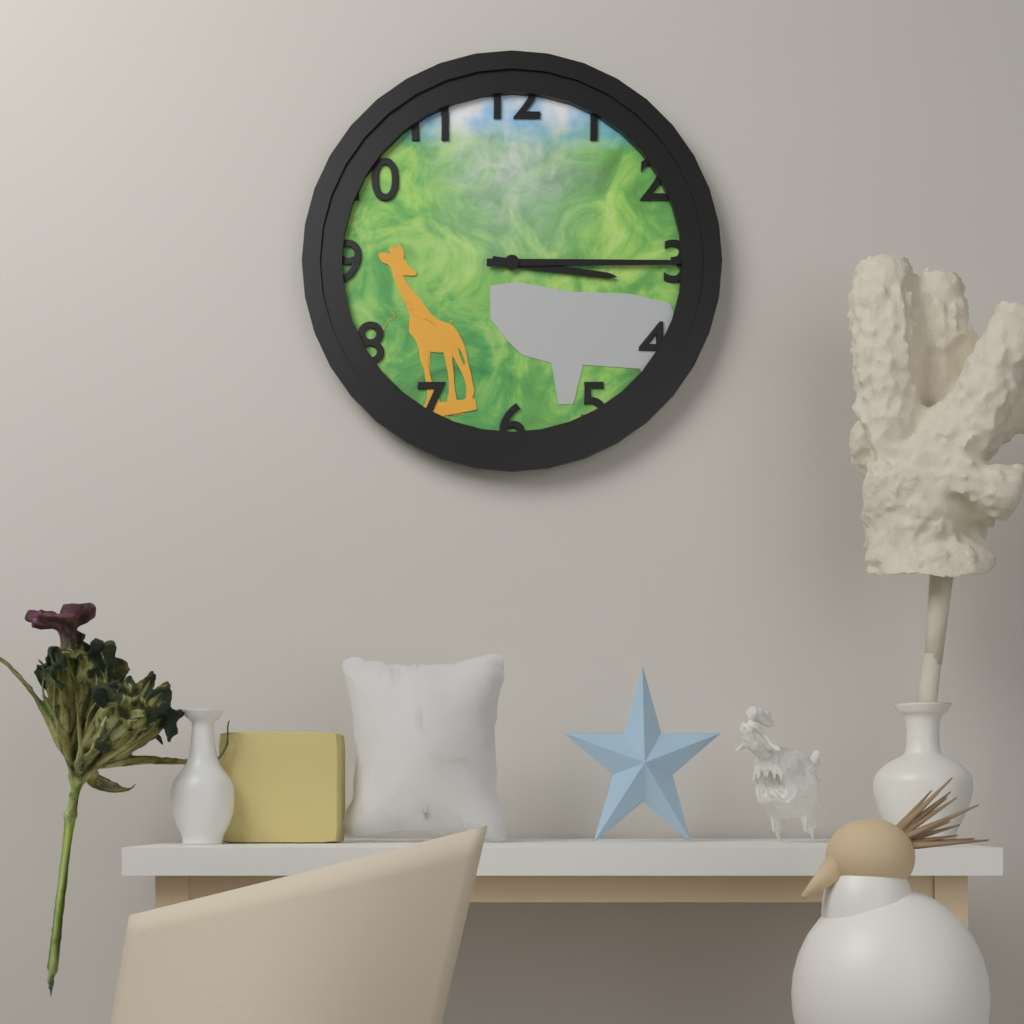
3:15
